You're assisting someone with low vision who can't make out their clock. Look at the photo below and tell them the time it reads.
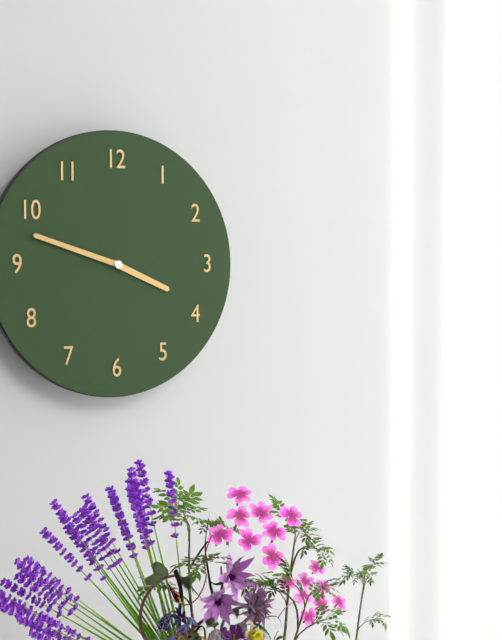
3:48
